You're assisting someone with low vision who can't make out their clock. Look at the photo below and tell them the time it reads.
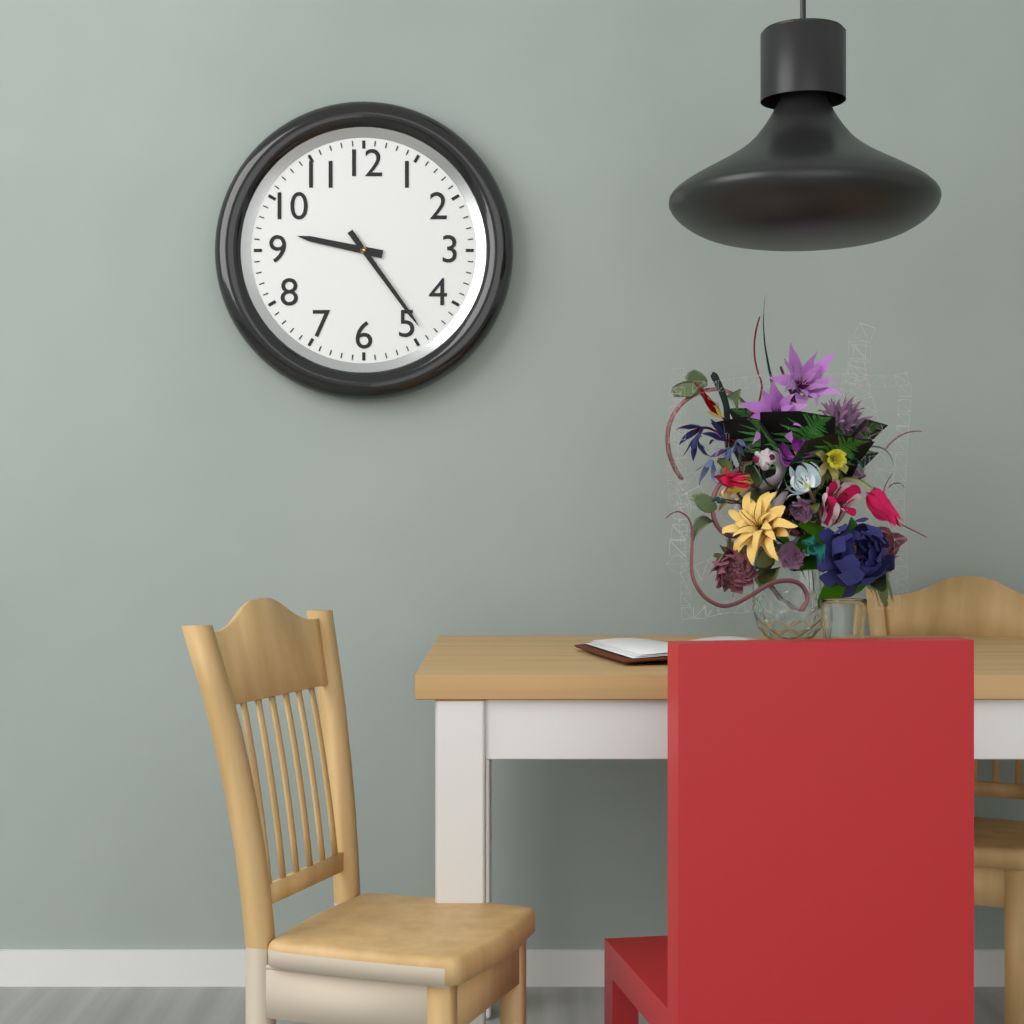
9:24
